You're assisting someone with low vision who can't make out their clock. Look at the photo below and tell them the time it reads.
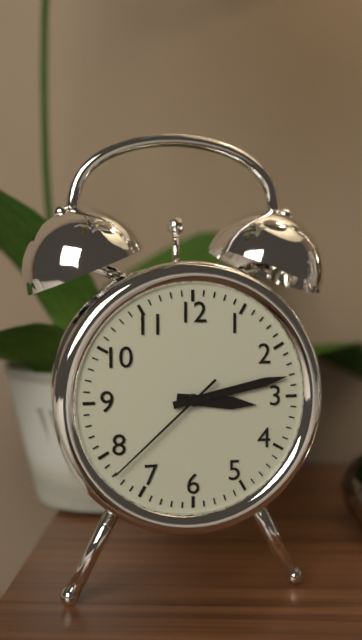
3:13:38
